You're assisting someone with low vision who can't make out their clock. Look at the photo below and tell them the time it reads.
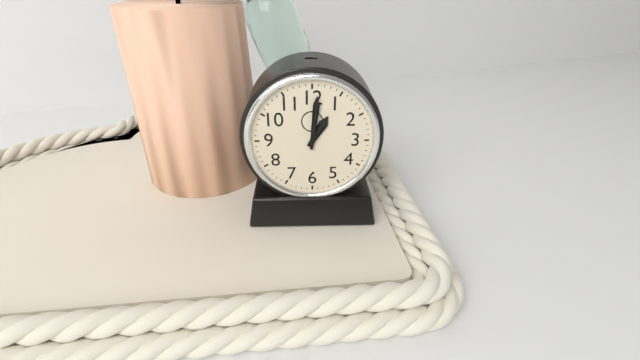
1:01
